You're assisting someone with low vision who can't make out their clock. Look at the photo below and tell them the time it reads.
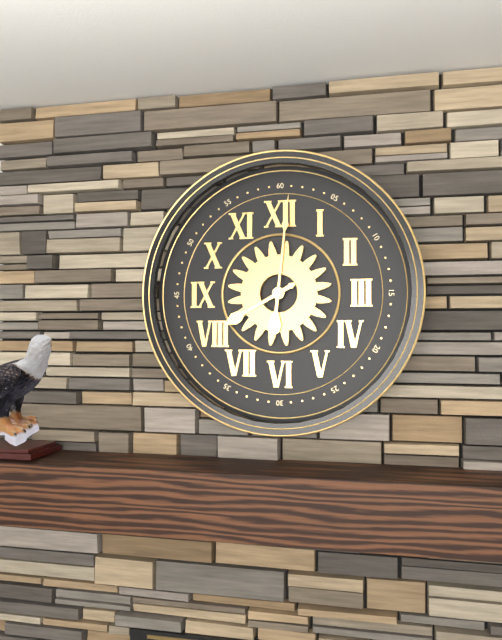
8:01
